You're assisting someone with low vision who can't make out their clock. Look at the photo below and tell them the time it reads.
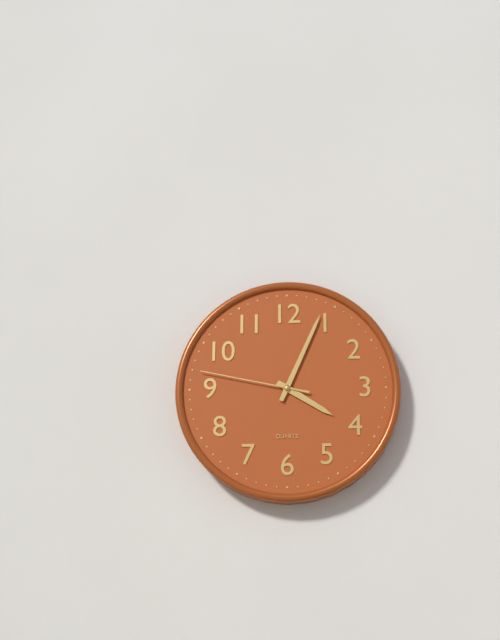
4:04:47
